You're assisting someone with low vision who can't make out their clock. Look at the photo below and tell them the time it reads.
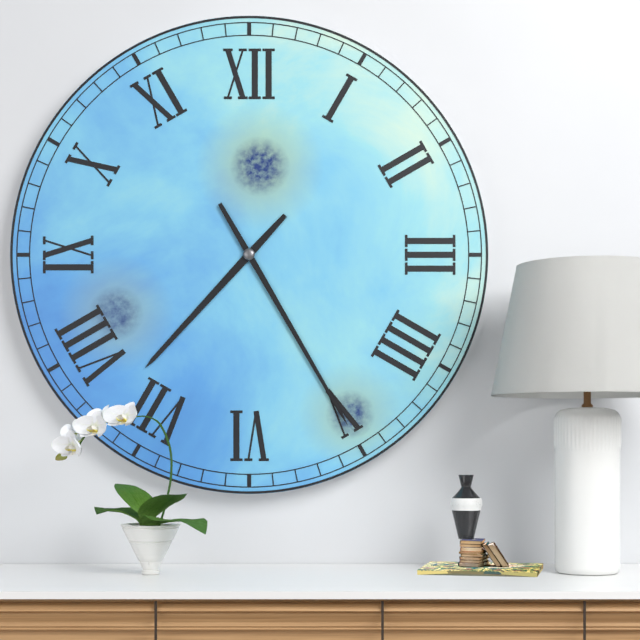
7:25
